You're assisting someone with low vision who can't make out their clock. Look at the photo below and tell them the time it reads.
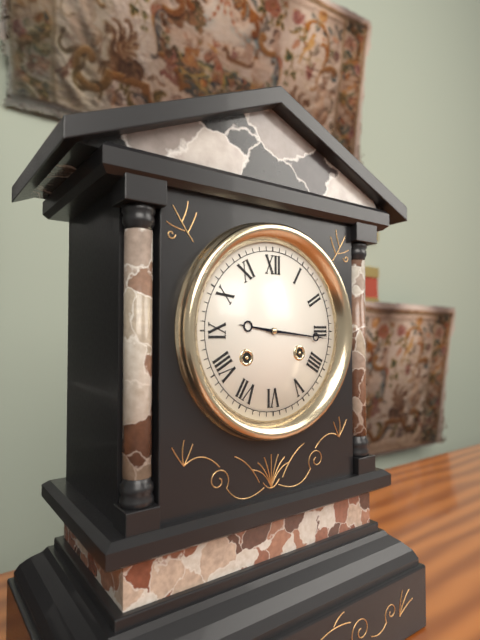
9:16
